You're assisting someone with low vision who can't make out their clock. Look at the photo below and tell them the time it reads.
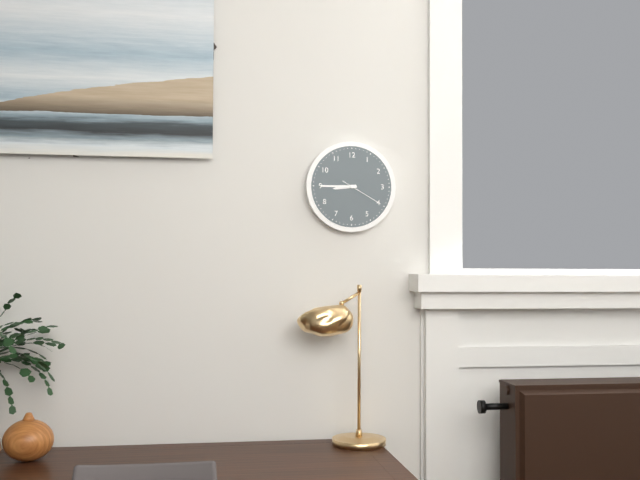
8:45
